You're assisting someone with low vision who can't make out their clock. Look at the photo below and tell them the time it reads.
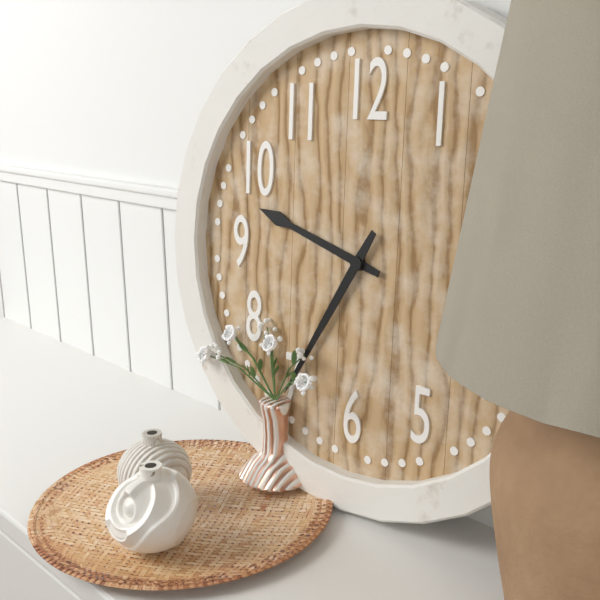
9:35
